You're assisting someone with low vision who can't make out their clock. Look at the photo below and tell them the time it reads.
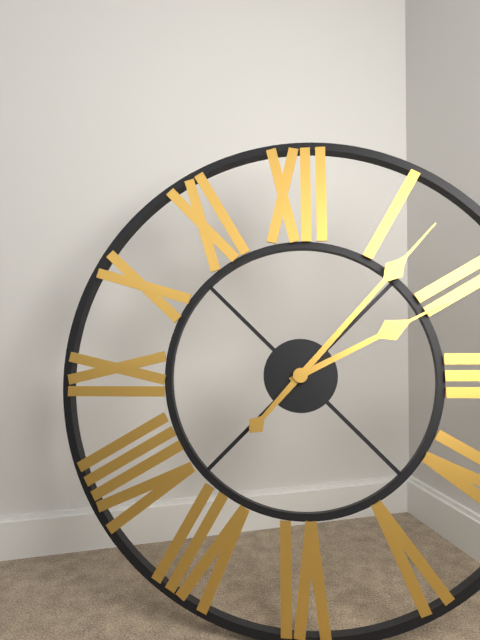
2:07
